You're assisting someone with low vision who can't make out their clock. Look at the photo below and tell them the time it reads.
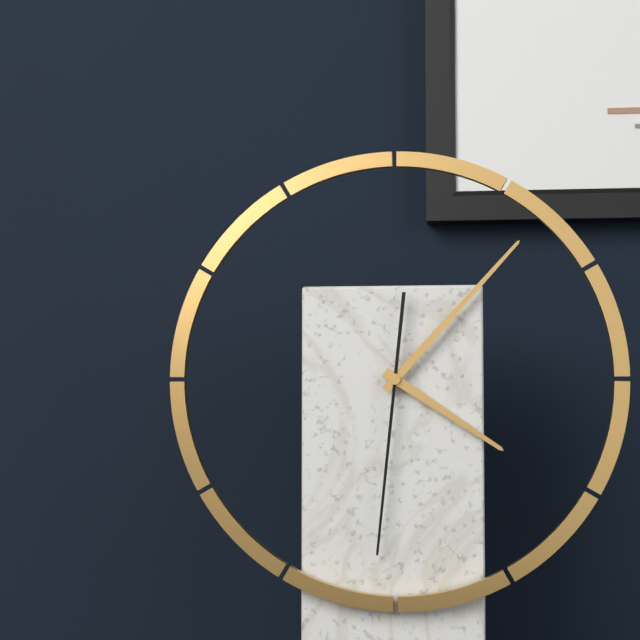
4:07:31
